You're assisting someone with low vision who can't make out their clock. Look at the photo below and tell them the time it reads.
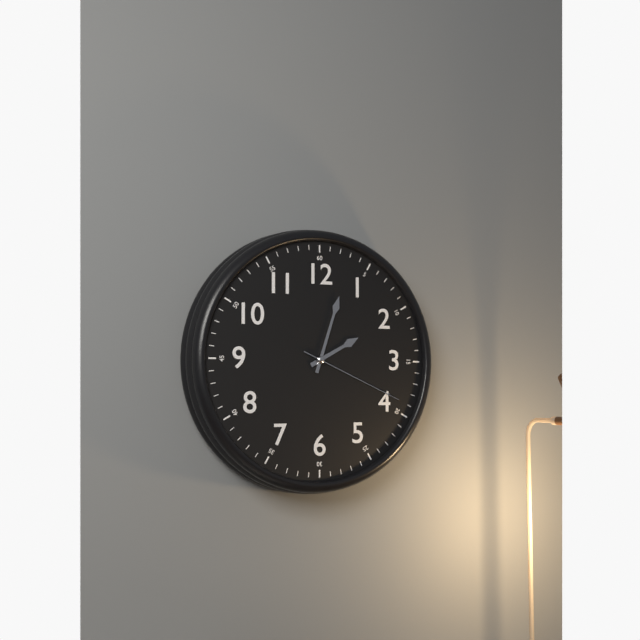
2:03:19
